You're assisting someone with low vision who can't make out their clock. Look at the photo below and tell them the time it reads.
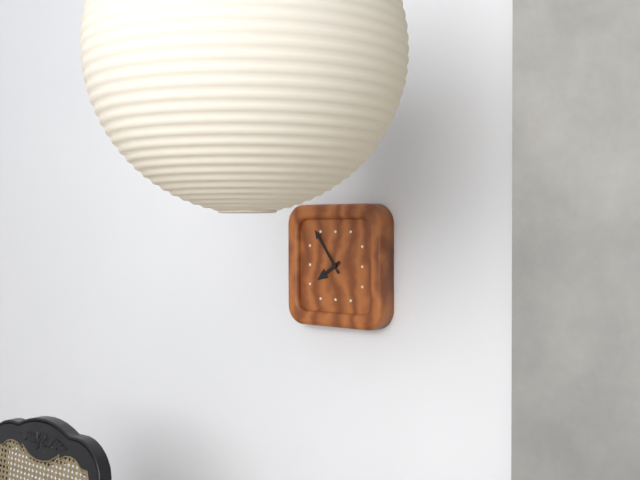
7:54
